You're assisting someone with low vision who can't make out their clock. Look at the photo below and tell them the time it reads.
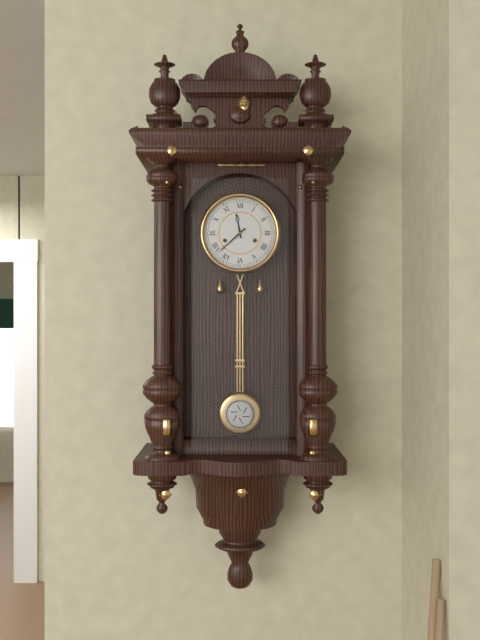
11:38
